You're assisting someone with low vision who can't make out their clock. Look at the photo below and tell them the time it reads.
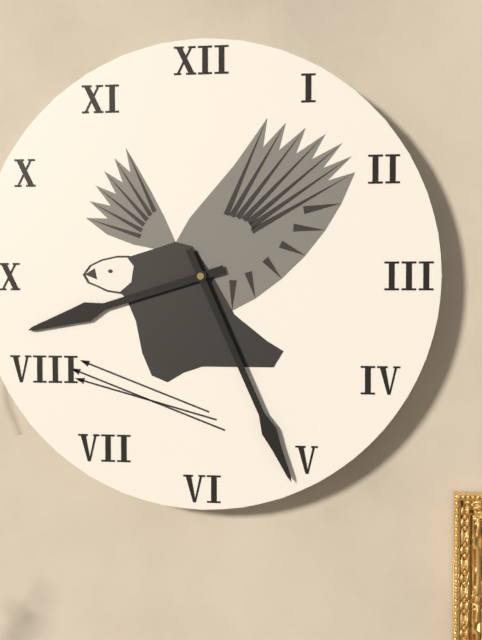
8:26
